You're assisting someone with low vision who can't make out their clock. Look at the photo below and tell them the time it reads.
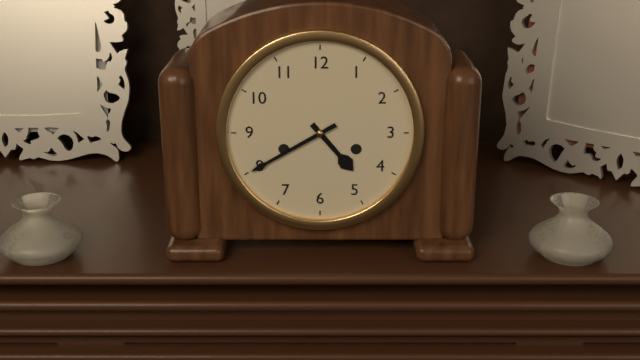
4:40
